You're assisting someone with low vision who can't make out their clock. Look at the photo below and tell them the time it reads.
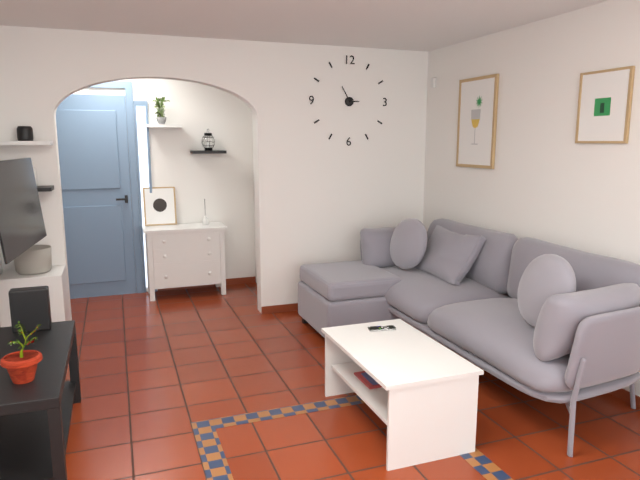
2:55
